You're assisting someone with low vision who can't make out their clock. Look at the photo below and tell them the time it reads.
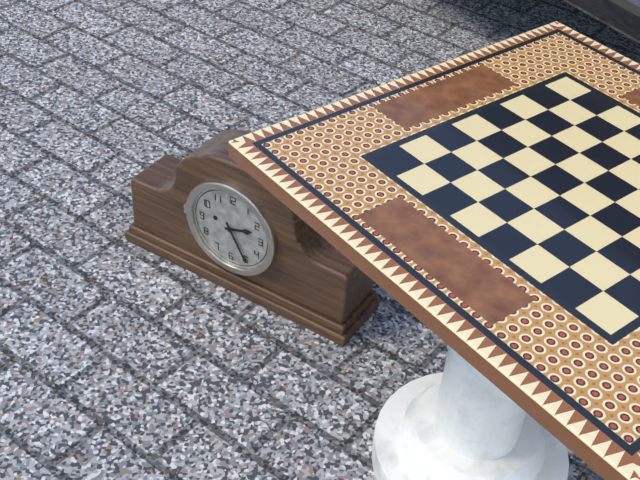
2:25
